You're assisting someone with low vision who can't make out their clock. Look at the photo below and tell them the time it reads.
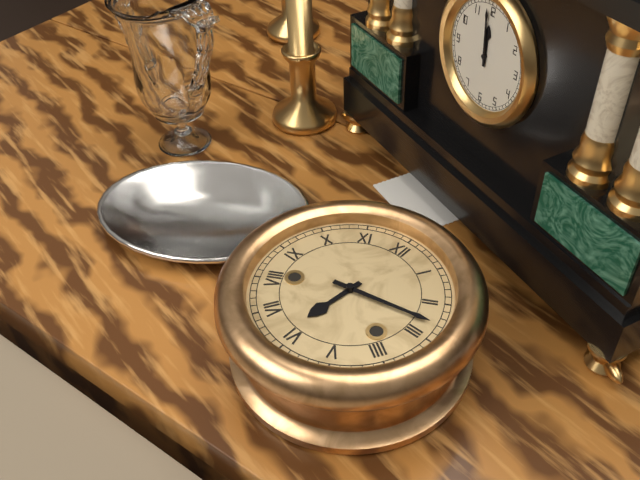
6:13
